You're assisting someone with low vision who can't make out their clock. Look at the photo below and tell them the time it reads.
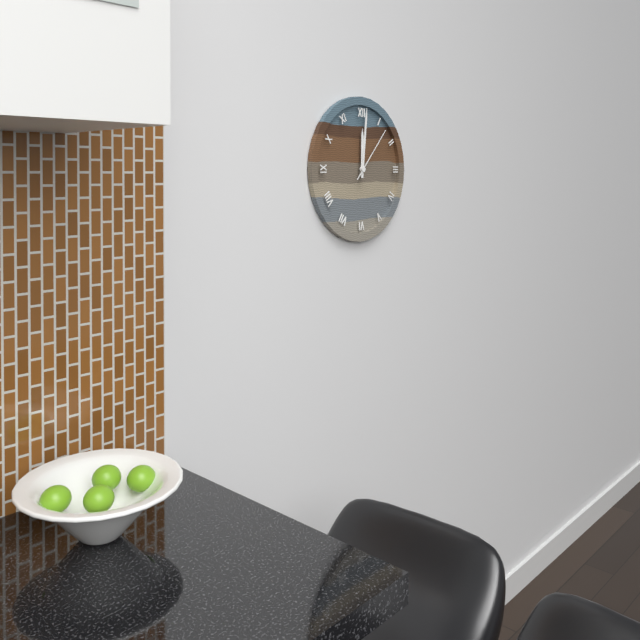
12:01:07
